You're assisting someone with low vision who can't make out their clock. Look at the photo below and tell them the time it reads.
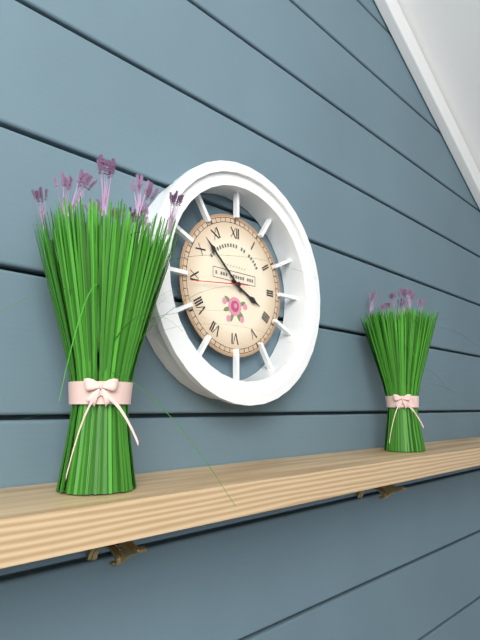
3:52:44
